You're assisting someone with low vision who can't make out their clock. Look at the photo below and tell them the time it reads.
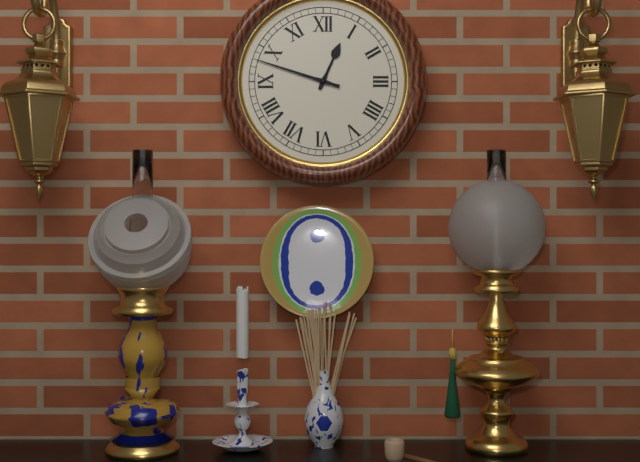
12:48
